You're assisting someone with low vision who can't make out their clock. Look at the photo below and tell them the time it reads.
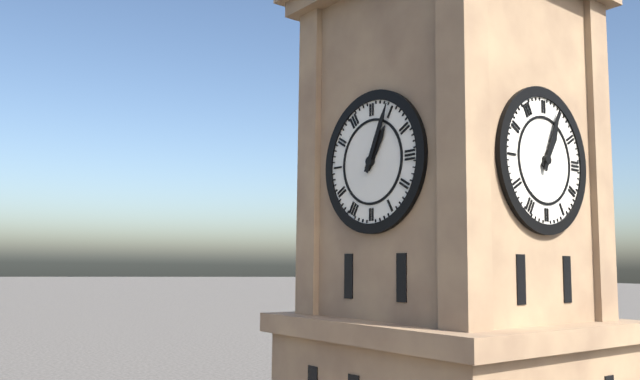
1:04
